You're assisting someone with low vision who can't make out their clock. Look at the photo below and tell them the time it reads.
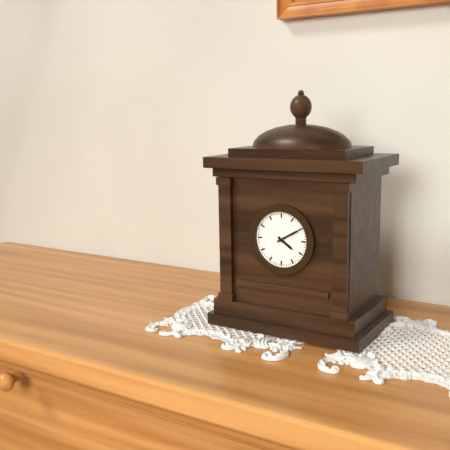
4:10
